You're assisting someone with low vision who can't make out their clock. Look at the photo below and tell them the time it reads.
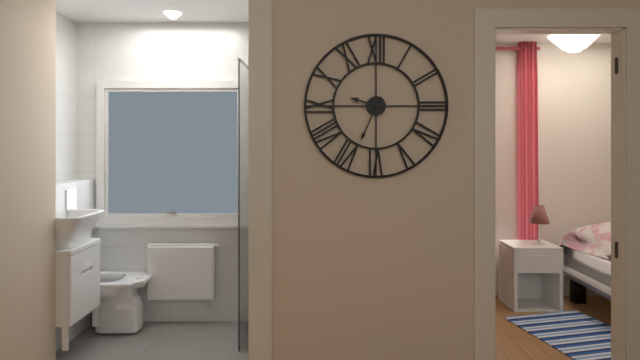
9:34
